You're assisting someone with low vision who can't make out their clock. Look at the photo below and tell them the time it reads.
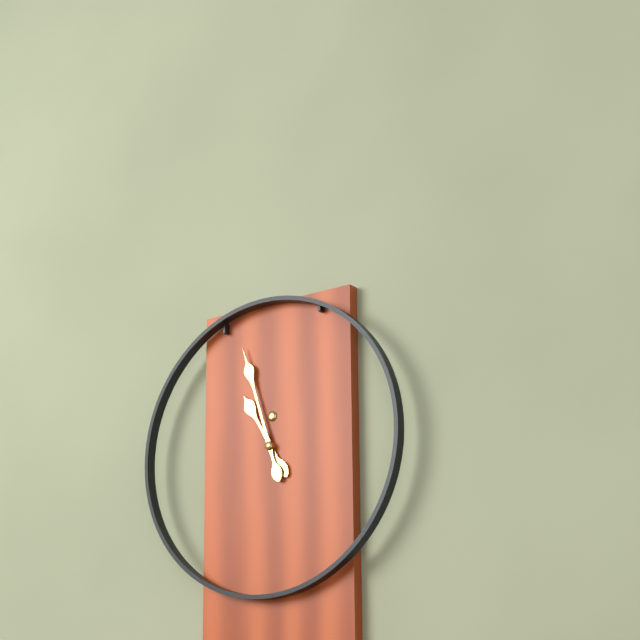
10:57
